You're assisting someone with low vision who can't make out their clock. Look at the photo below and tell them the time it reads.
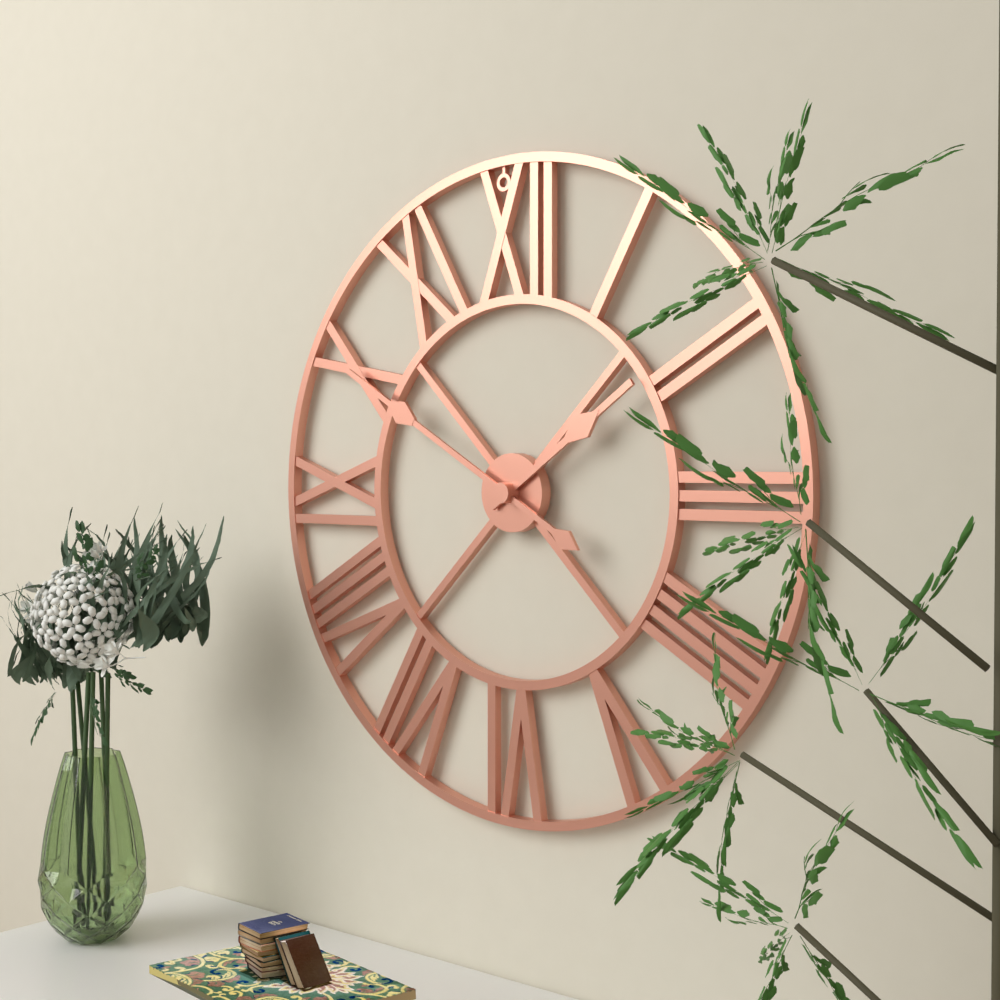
1:50
